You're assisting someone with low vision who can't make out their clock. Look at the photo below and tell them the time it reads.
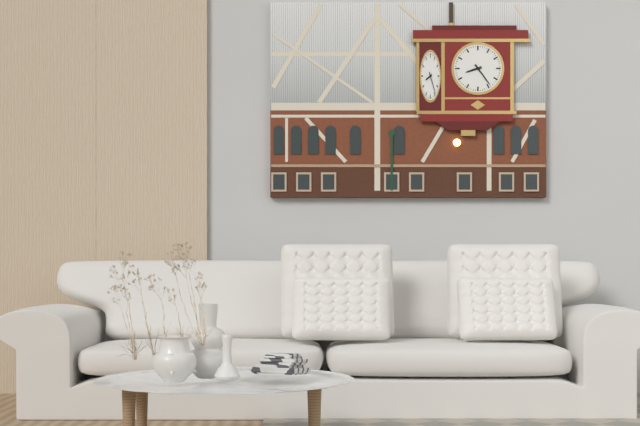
8:24
